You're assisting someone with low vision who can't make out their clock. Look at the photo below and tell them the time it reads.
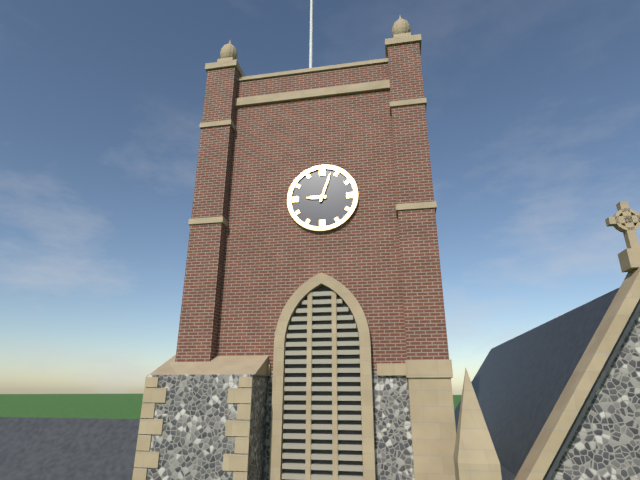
9:03
